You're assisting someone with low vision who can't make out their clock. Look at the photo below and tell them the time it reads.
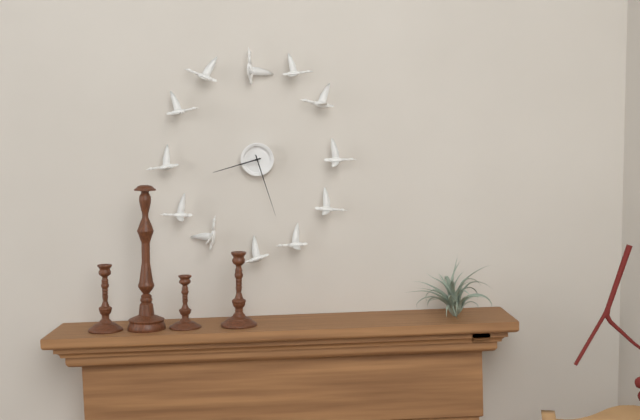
8:27
